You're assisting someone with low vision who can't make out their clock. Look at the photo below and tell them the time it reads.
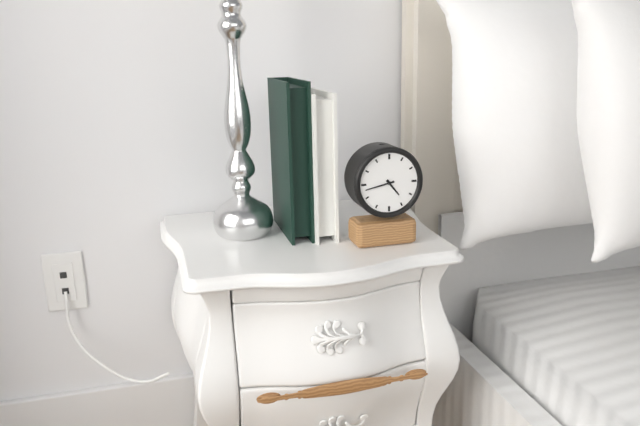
4:43
